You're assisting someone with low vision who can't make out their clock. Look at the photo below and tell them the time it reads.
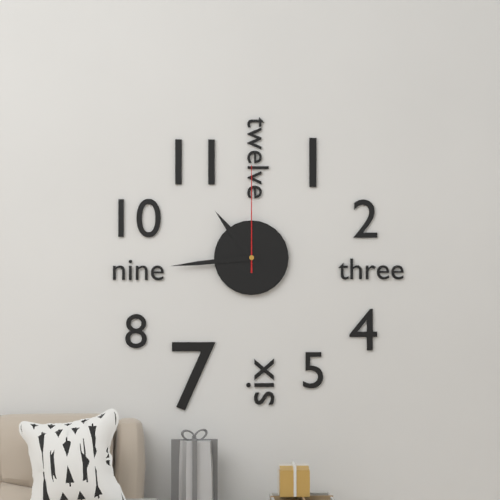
10:44:00
